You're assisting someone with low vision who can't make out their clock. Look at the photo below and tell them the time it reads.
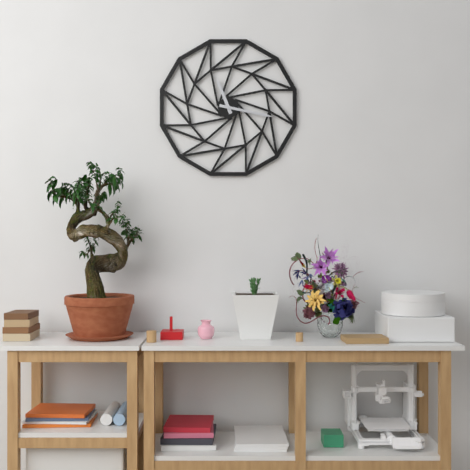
11:17
